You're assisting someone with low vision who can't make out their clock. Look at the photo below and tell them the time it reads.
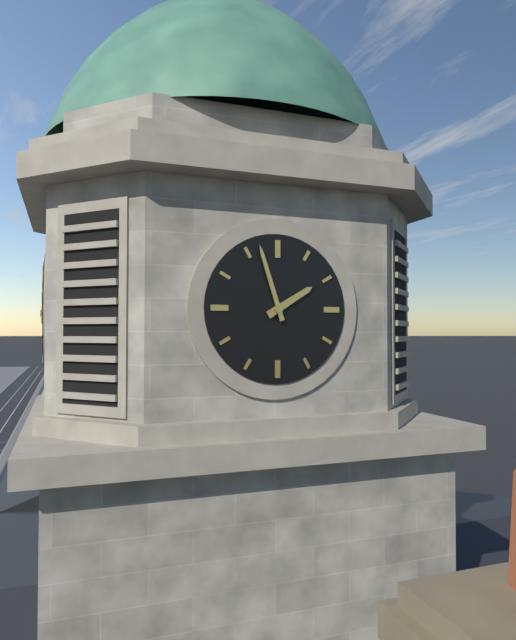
1:57
